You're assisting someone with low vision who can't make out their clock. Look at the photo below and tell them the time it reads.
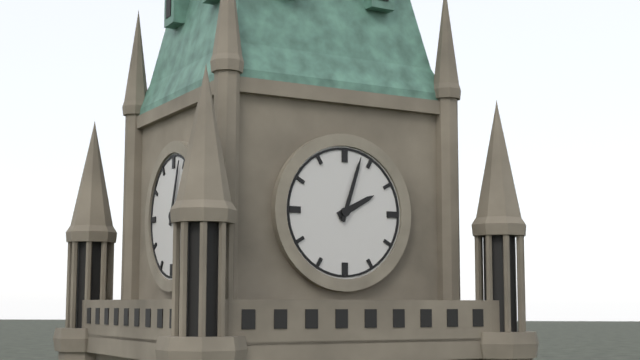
2:03
